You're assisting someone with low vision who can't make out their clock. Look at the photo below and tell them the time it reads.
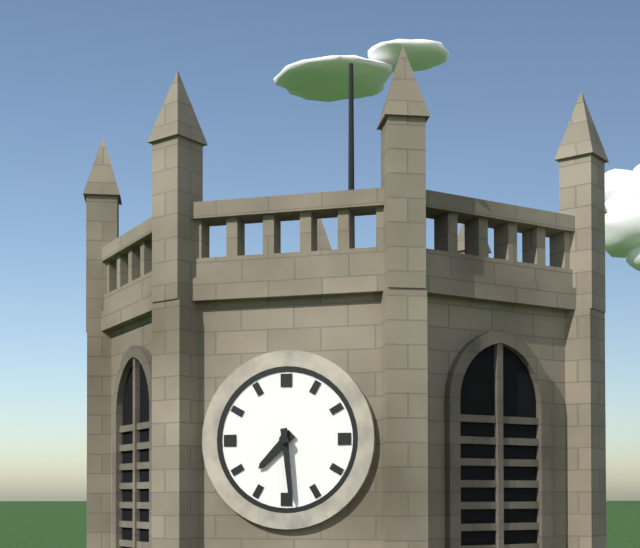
7:29
